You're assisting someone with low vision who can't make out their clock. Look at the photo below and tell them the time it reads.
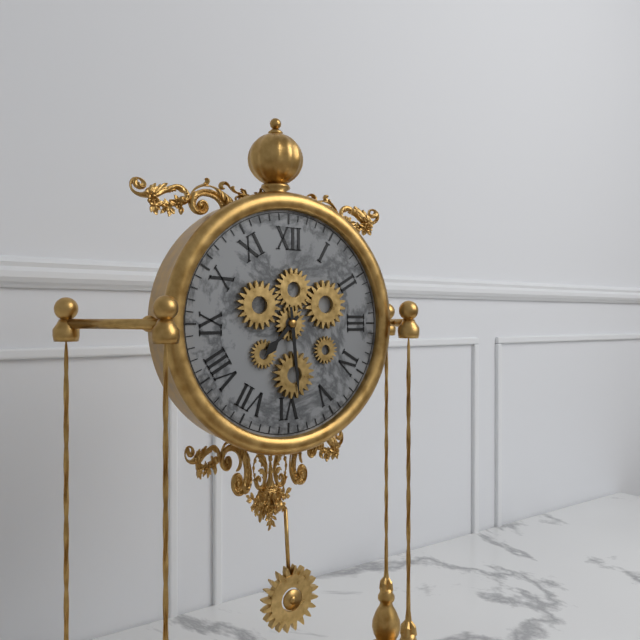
7:29
